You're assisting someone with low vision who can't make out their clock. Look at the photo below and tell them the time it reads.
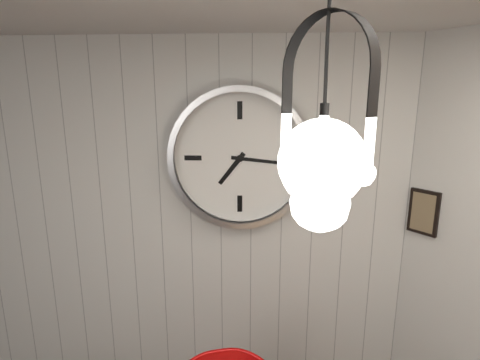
7:16
